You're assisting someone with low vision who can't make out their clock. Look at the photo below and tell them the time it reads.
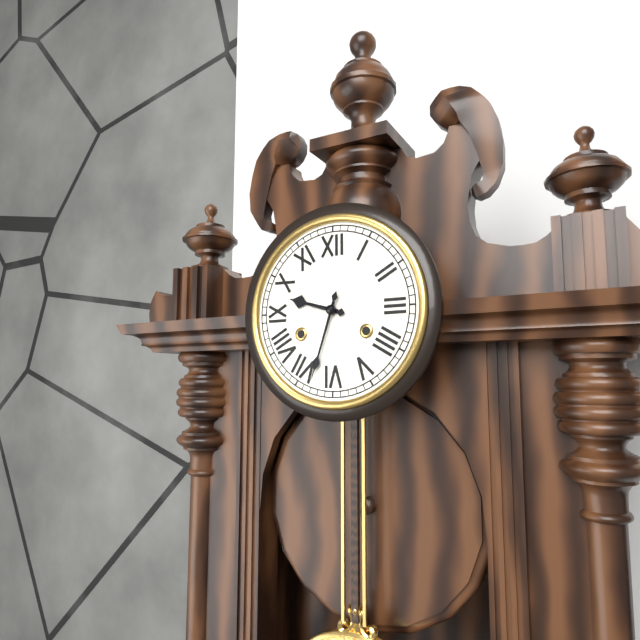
9:33
